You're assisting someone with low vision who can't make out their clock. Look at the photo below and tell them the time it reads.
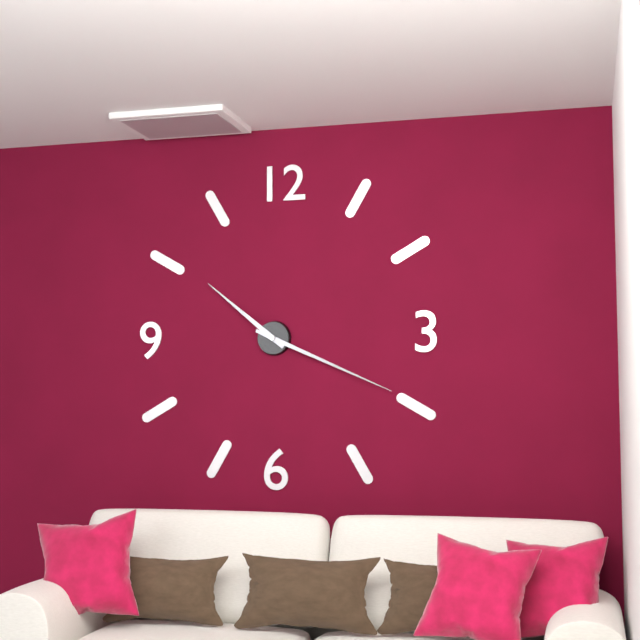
10:19
